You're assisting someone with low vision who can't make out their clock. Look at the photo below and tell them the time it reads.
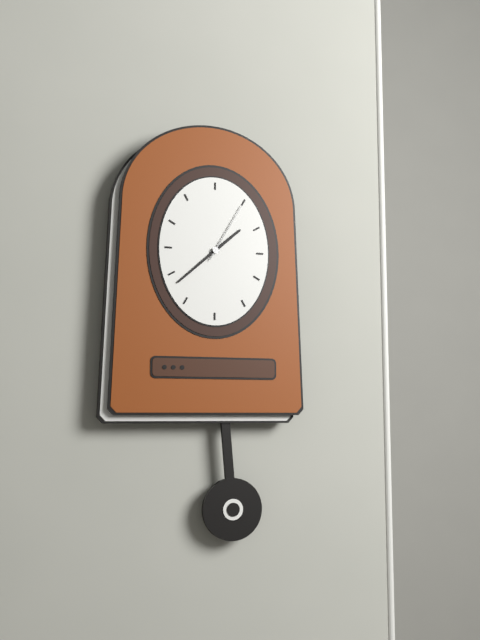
1:38:05
